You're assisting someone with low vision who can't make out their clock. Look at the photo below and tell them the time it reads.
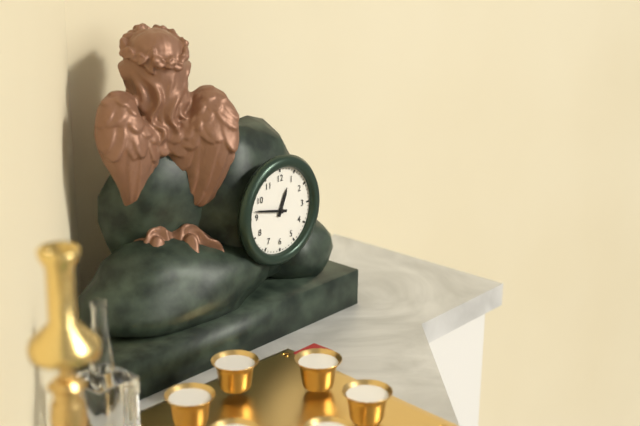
12:47
